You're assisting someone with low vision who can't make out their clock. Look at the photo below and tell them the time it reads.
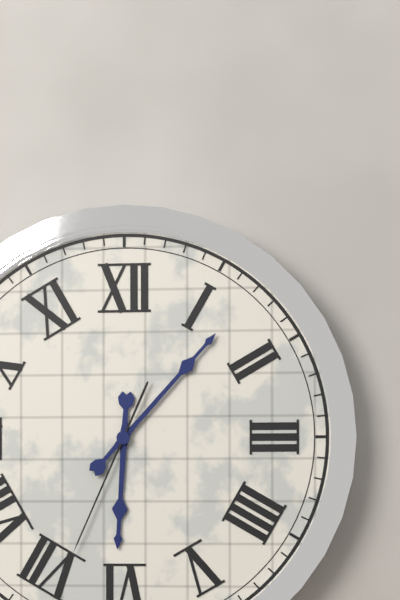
6:07:34
